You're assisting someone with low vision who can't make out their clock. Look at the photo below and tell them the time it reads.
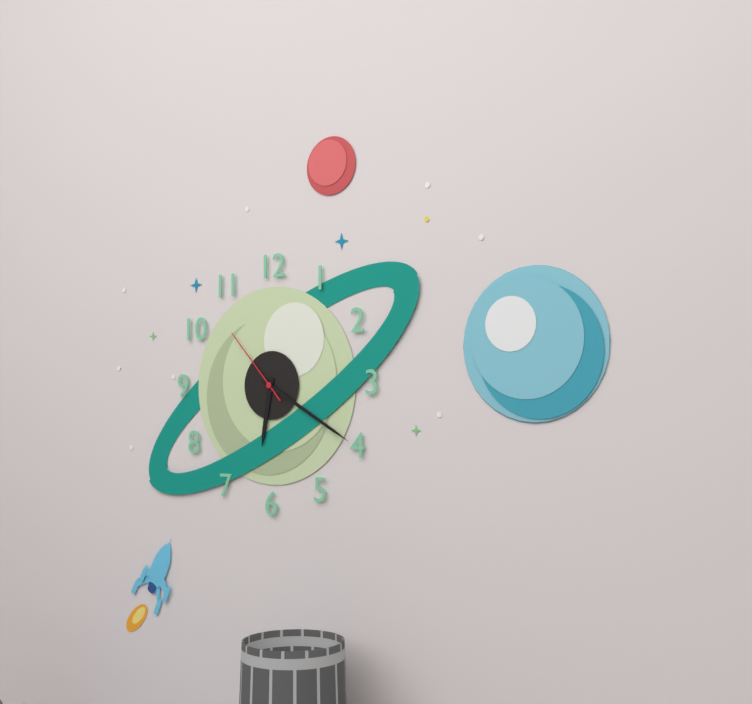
6:20:53
